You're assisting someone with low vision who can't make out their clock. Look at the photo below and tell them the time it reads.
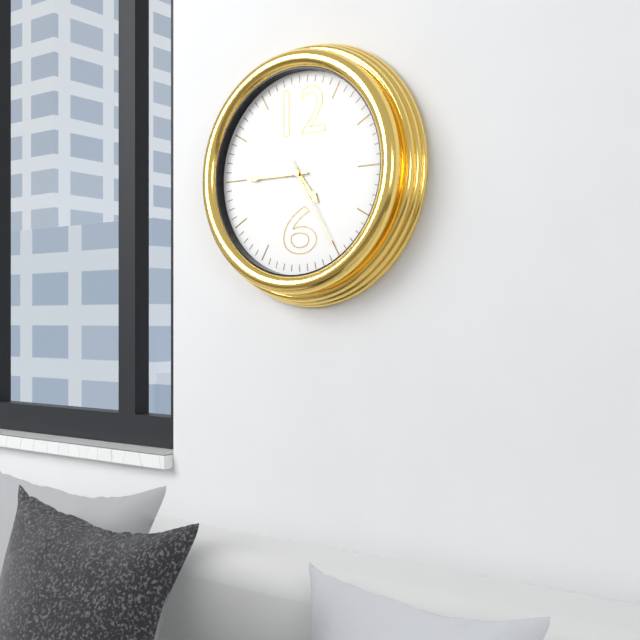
4:45:25
